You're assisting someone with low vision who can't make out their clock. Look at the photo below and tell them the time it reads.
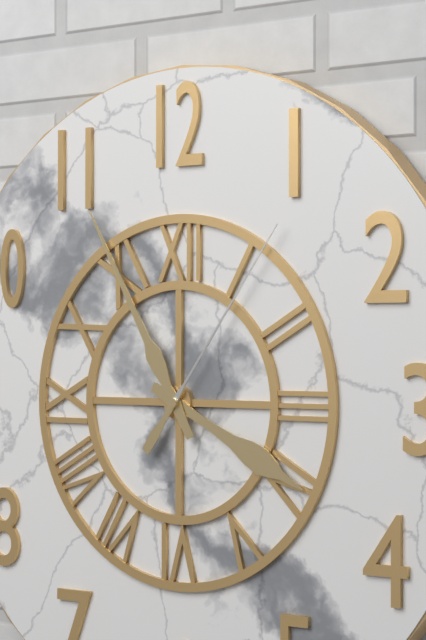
3:55:06
